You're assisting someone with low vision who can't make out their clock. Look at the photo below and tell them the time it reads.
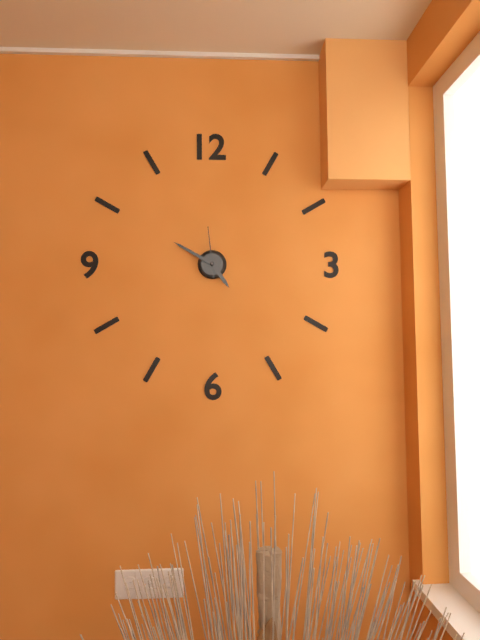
4:50
